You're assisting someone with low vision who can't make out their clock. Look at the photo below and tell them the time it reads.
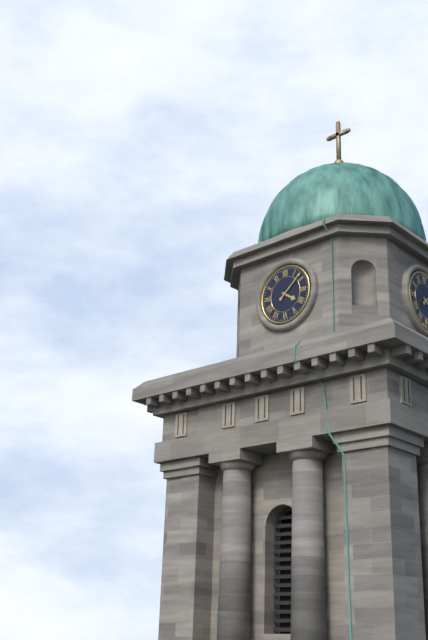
4:08
